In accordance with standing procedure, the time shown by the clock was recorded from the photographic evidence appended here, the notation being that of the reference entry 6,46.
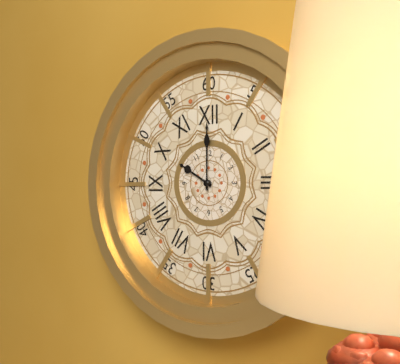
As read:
10,00
